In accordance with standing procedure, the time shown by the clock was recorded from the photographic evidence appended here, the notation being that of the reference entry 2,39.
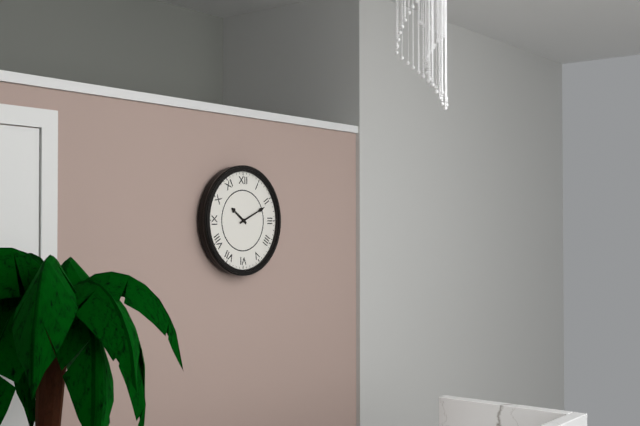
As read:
10,11
